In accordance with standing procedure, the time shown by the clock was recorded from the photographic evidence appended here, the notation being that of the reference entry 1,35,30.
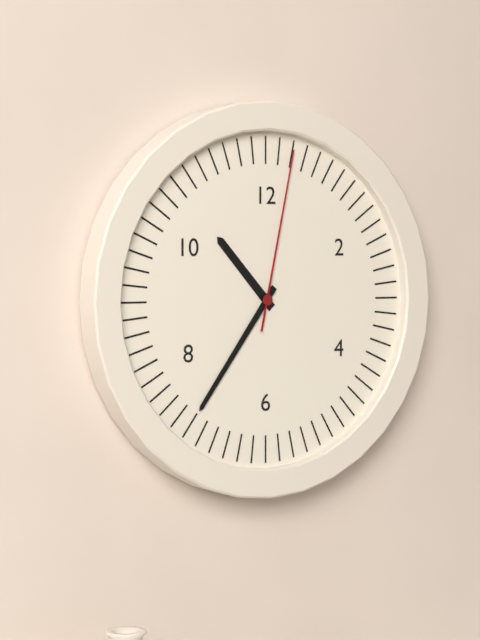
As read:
10,36,02
